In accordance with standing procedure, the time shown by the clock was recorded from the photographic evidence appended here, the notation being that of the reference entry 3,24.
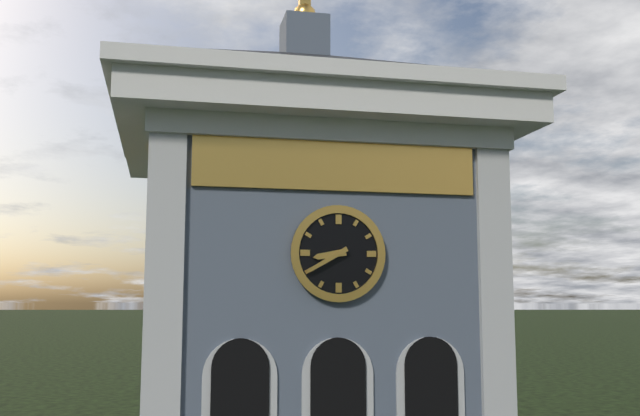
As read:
8,40
